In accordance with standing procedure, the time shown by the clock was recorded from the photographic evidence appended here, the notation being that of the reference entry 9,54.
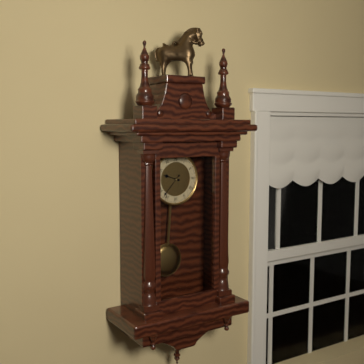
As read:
9,37
